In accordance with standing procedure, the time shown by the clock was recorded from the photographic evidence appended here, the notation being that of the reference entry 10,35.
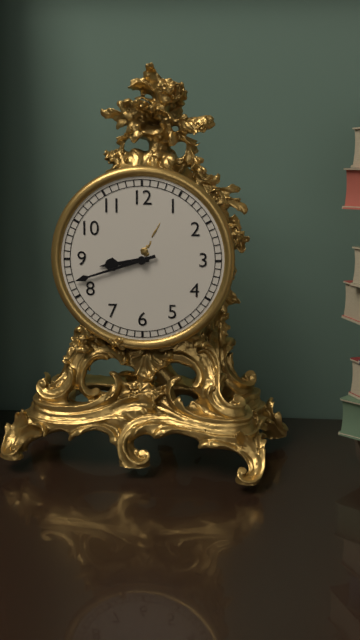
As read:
8,42
